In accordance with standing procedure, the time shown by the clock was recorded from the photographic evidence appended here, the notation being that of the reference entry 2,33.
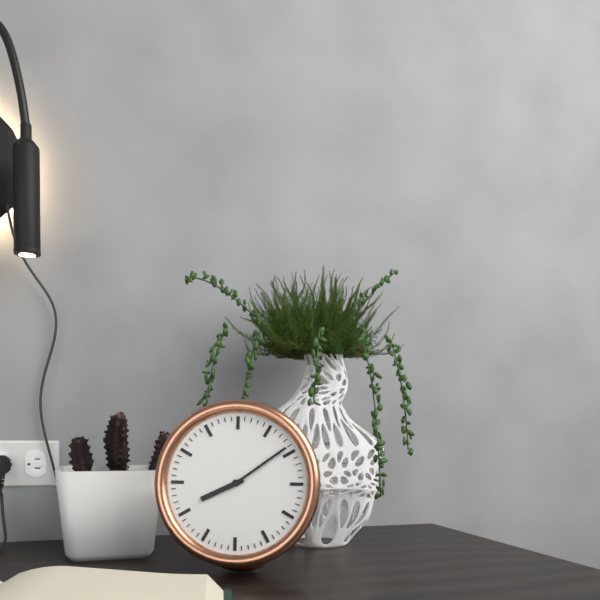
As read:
8,09
